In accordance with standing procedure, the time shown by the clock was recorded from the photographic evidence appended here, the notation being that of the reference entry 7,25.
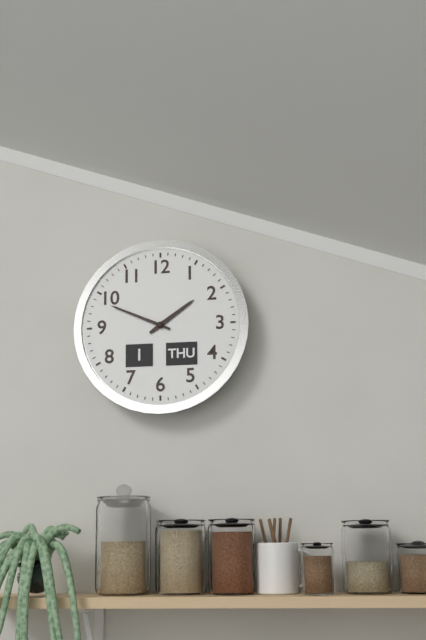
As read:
1,49
